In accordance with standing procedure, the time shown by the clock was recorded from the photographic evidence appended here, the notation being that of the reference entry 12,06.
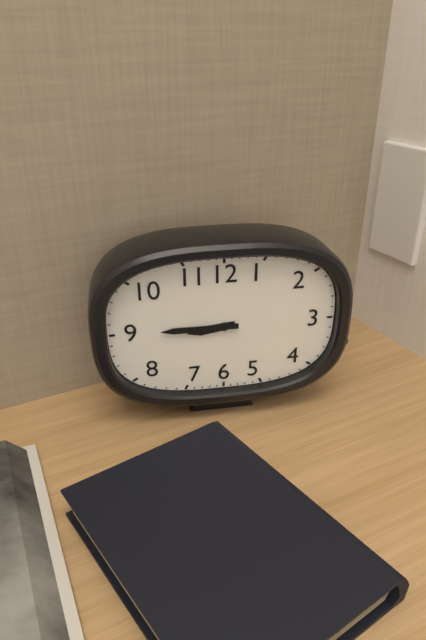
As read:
8,45
